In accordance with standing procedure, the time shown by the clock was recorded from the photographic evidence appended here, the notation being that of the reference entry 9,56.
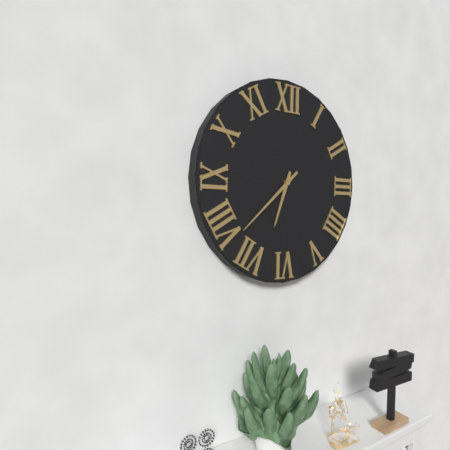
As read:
6,38
